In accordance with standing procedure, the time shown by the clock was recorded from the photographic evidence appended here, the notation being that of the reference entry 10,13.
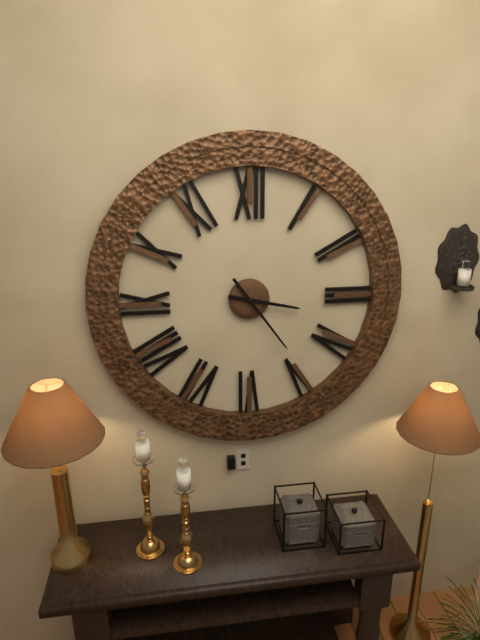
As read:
3,24
